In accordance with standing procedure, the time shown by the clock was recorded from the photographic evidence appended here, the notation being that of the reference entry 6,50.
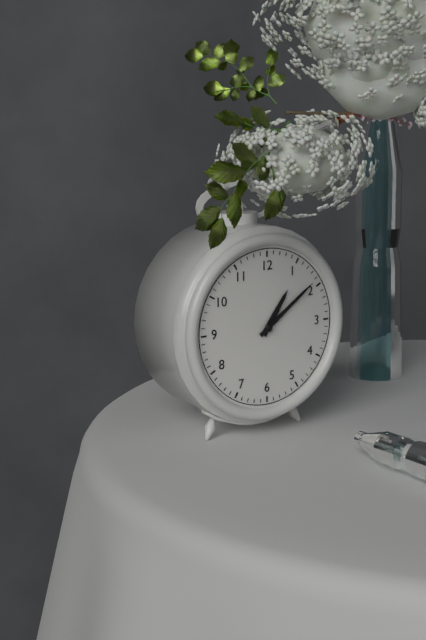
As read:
1,09
